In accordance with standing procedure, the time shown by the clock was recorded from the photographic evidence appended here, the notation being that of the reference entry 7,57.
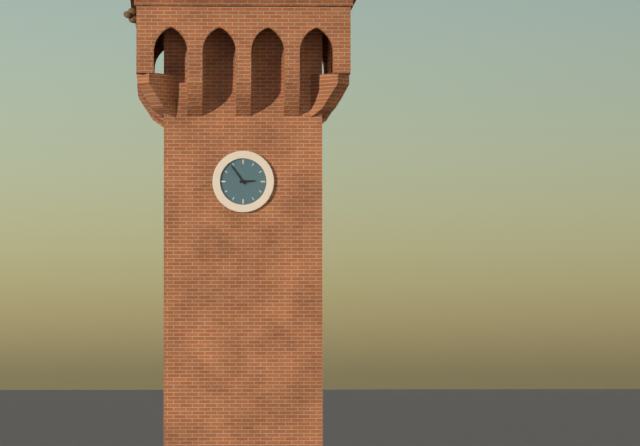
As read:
2,54
